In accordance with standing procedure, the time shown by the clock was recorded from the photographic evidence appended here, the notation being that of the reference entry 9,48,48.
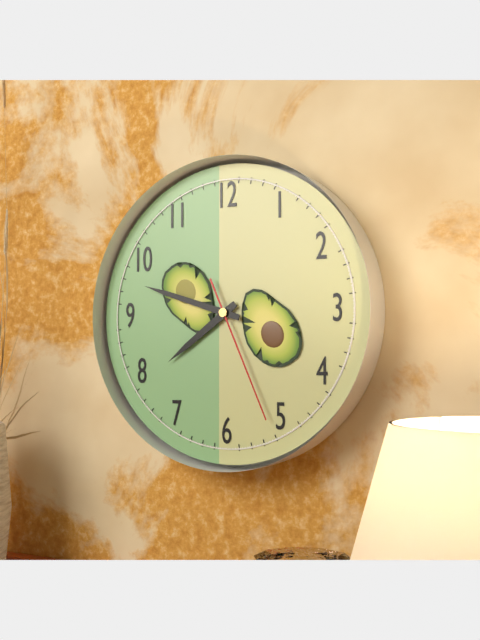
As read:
7,48,26
